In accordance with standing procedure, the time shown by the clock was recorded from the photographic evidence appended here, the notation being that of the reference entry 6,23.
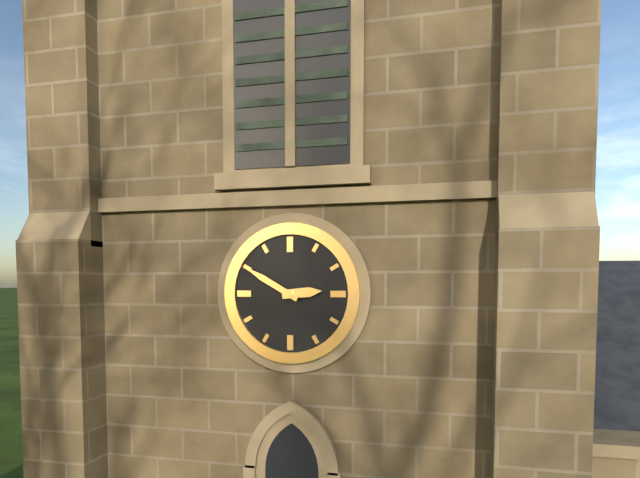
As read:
2,50
